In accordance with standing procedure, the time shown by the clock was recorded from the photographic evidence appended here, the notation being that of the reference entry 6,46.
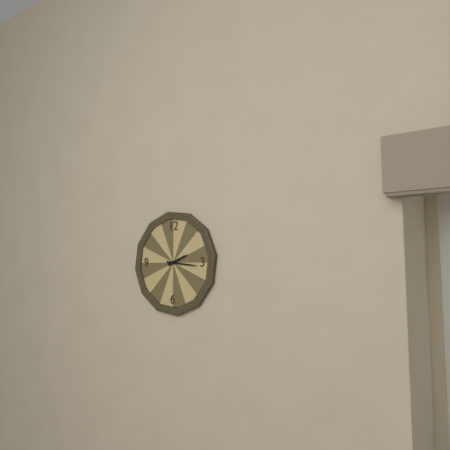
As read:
2,16
